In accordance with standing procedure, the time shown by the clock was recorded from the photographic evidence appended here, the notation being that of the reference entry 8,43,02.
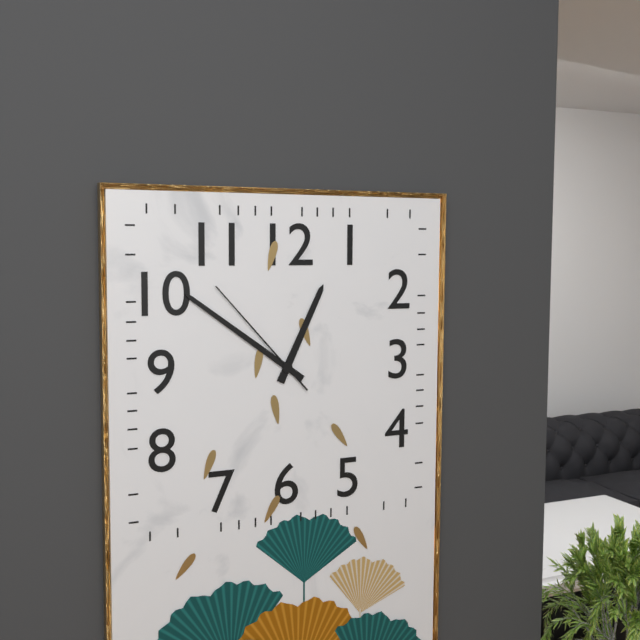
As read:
12,51,53
